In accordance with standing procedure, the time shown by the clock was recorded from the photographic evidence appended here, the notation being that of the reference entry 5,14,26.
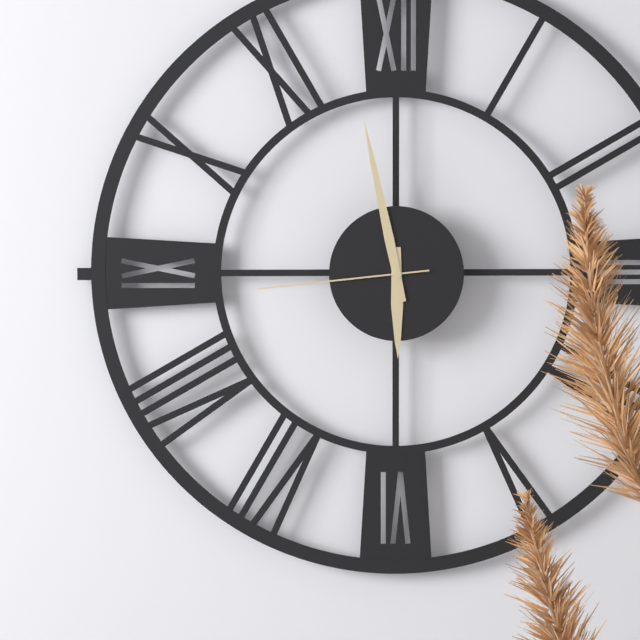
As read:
5,58,44
